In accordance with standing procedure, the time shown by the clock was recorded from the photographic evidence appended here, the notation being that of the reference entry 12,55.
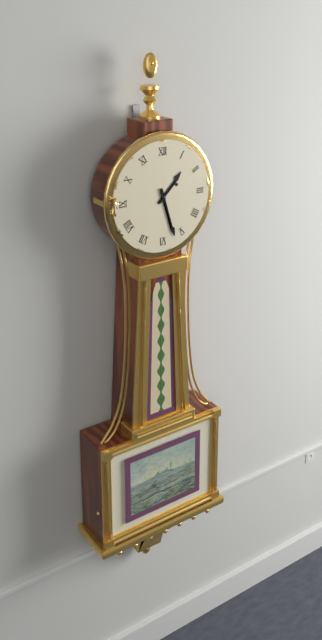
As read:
1,27
